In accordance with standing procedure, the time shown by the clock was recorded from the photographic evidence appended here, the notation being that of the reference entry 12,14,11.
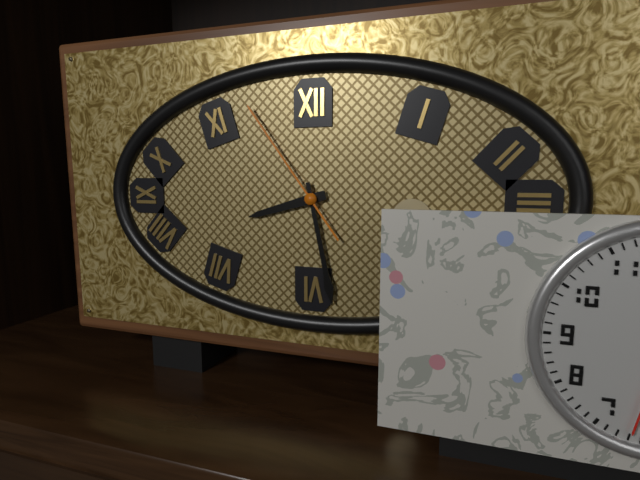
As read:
8,28,54
